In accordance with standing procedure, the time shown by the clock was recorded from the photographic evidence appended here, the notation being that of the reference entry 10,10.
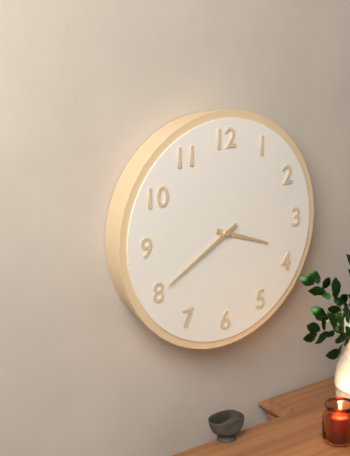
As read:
3,40
